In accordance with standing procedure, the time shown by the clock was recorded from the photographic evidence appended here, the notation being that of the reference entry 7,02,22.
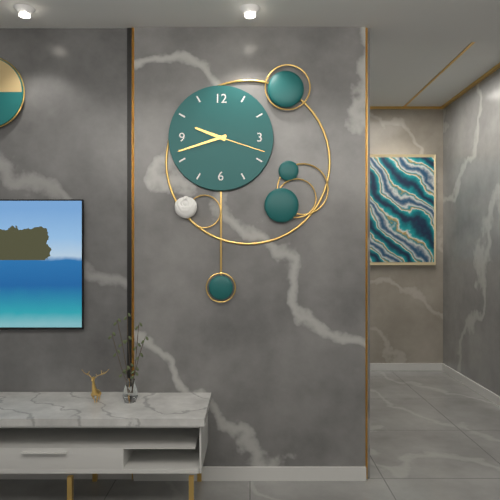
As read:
9,42,18
